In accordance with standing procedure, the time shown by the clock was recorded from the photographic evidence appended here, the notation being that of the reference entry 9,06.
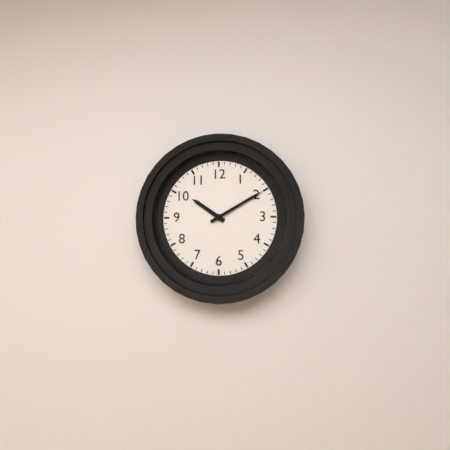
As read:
10,10
